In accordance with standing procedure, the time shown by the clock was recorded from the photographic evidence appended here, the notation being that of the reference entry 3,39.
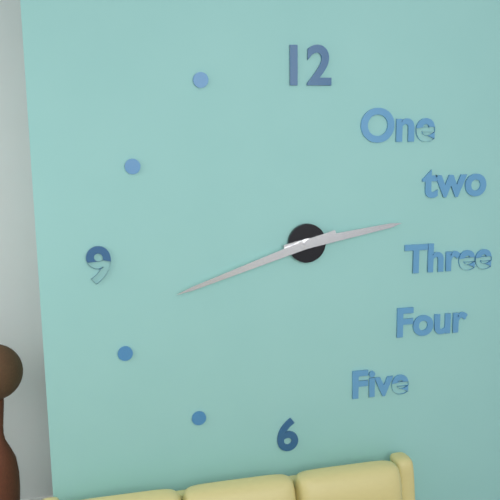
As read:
2,42
